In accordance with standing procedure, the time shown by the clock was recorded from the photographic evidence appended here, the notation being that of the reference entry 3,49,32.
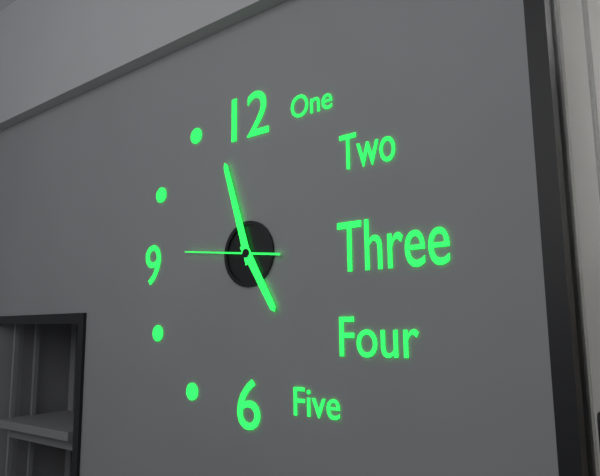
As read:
4,57,46
